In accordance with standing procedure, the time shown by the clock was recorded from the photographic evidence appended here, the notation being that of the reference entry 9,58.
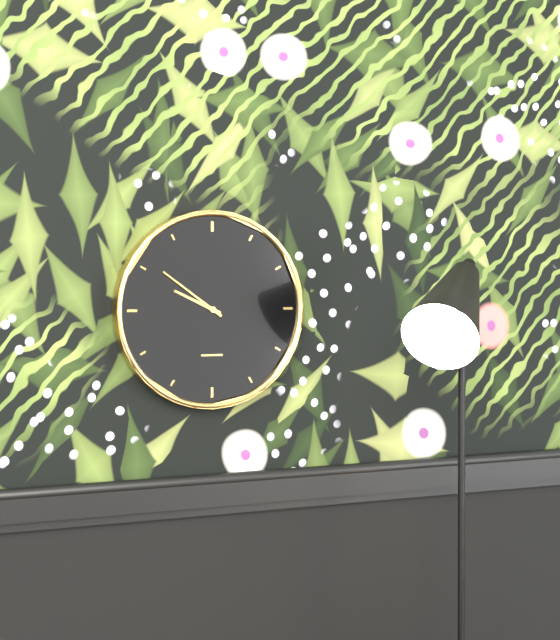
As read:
9,51
